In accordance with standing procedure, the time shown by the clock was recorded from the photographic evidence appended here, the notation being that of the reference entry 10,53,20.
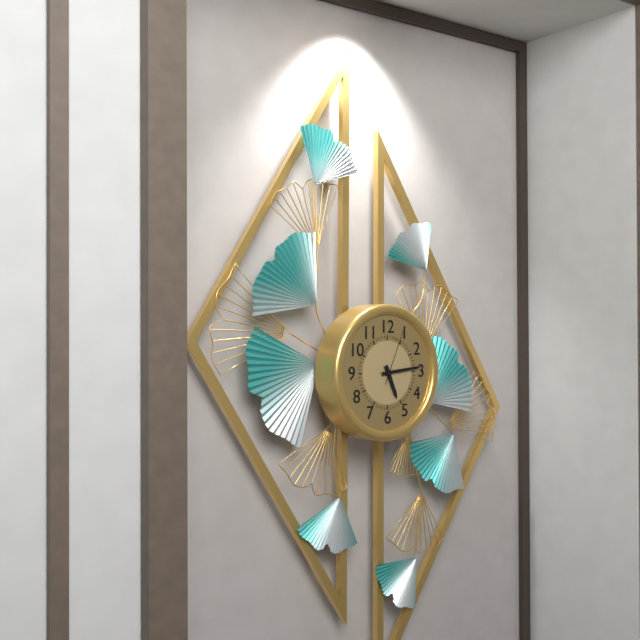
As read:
5,14,04
